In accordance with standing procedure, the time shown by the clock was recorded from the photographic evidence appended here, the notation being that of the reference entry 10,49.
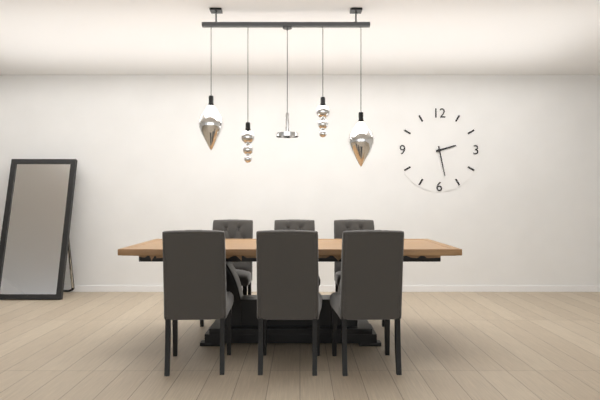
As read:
2,28
